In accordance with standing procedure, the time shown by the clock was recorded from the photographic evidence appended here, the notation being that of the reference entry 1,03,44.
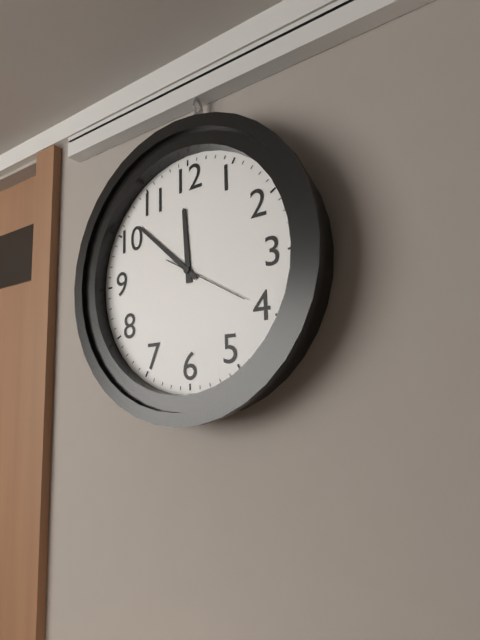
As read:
11,52,20
